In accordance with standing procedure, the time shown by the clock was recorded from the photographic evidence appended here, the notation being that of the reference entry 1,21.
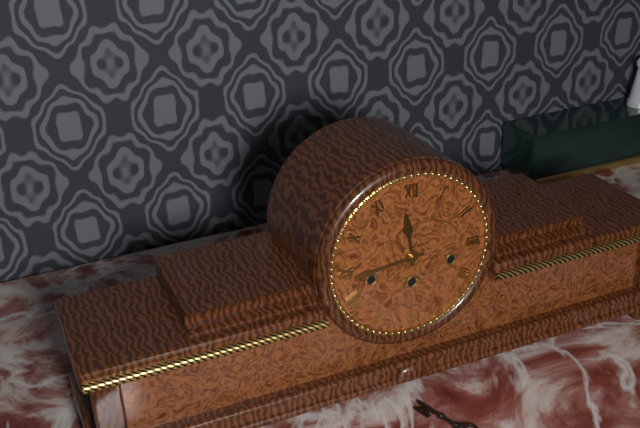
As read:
11,44
